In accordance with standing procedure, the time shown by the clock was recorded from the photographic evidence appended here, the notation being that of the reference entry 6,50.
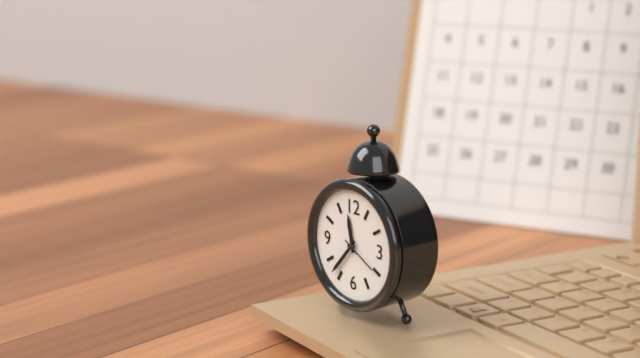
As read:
11,37
